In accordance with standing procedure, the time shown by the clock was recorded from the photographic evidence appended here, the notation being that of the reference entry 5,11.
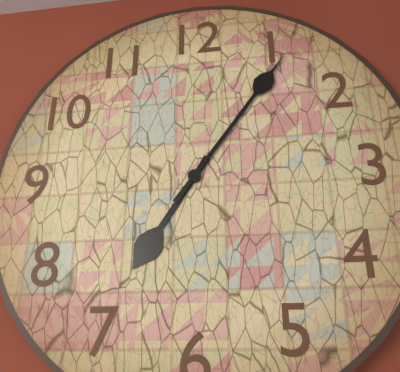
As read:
7,06
